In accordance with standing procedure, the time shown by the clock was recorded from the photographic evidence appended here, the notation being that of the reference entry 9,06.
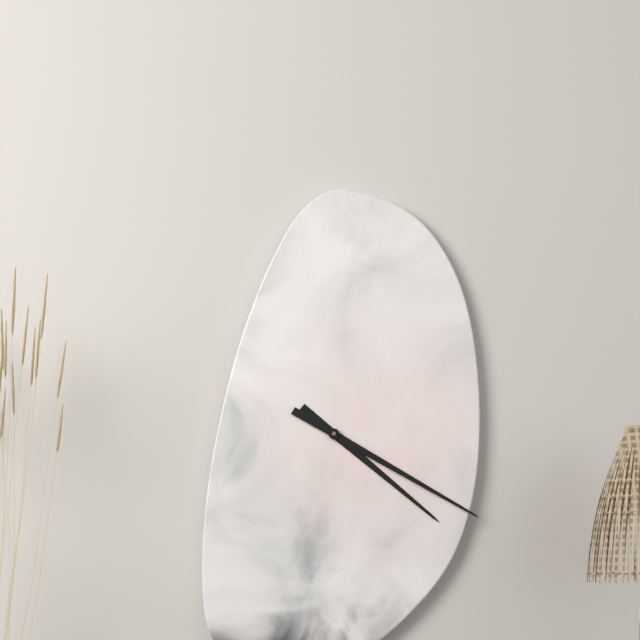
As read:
4,20
